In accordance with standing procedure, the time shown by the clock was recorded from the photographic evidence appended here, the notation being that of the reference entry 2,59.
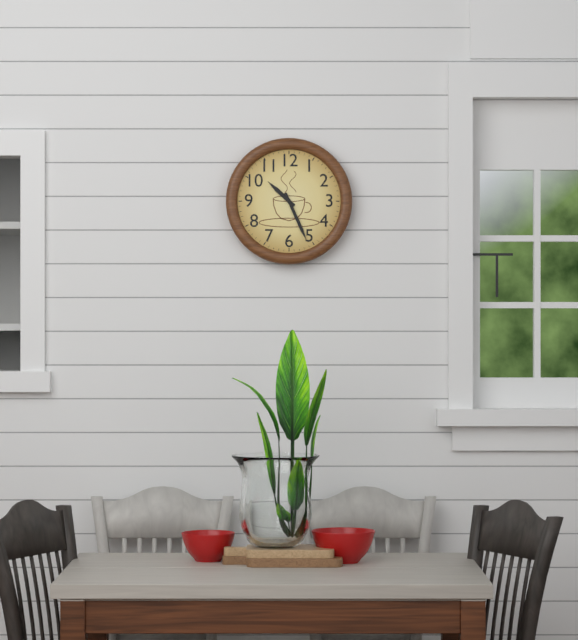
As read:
10,26
